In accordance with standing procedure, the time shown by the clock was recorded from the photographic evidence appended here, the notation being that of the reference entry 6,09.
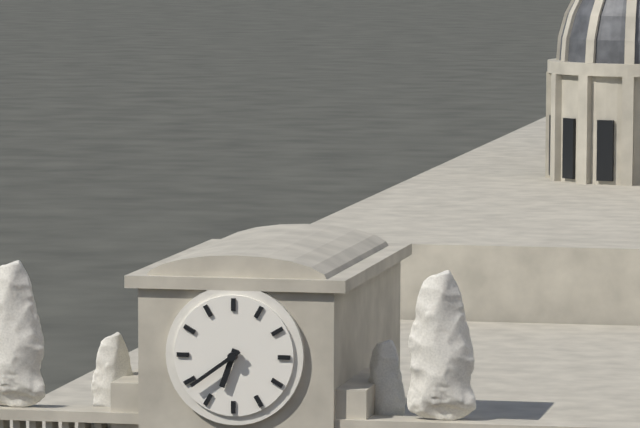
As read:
6,39
